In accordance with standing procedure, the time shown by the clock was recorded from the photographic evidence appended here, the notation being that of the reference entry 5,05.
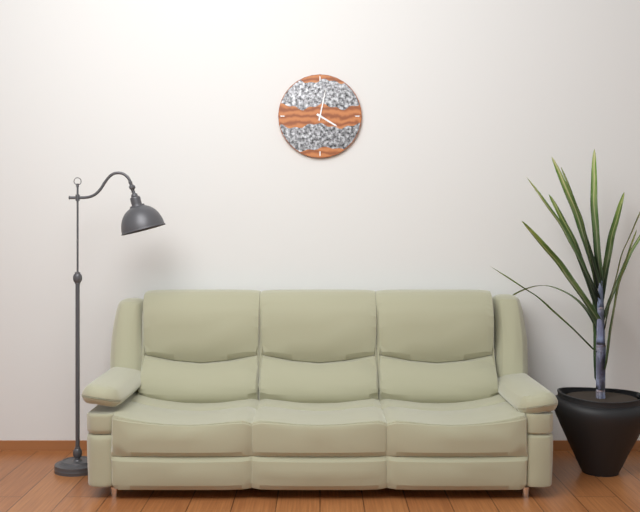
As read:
4,02
